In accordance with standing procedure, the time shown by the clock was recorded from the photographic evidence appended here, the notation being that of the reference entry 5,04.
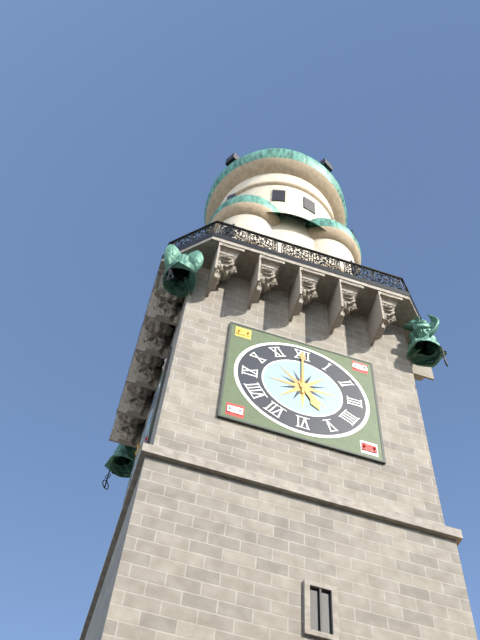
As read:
5,00
